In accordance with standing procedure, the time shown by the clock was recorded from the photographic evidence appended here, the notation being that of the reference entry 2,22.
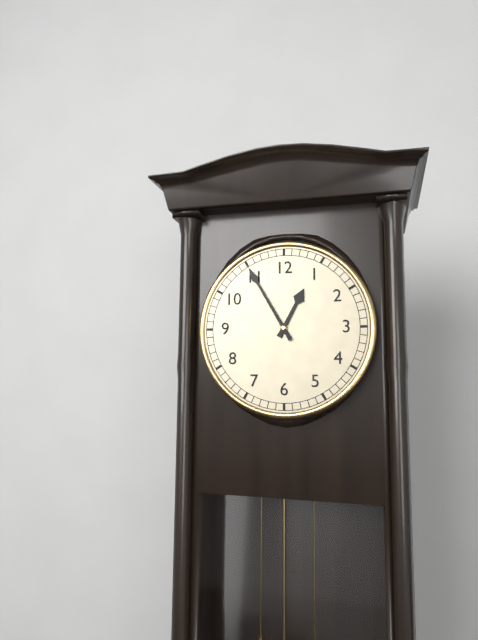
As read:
12,55
